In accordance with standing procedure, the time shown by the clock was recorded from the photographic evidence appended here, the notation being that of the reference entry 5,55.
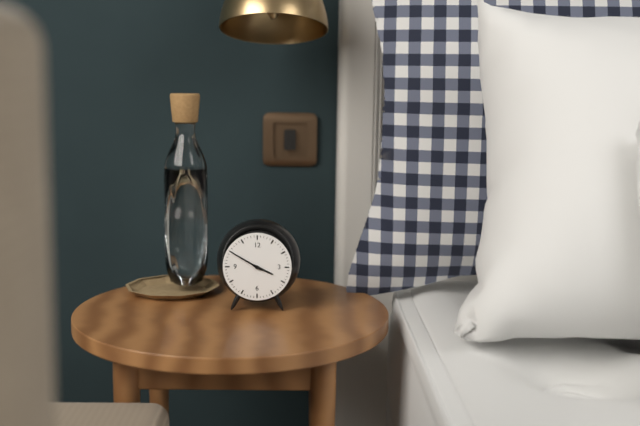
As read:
3,50
